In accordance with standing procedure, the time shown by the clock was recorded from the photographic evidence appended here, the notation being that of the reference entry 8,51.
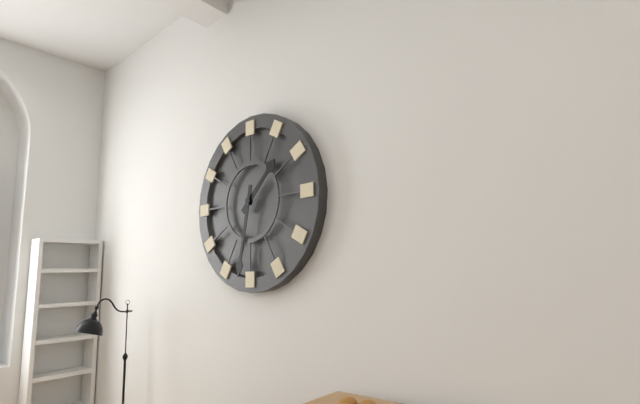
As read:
1,32
